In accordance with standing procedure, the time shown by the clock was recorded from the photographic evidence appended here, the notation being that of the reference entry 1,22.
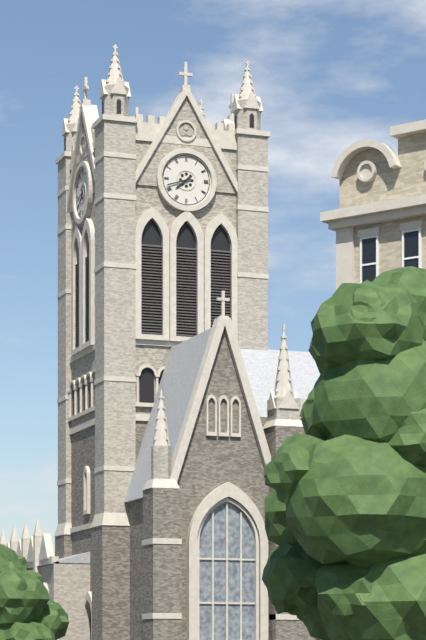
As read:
7,42
